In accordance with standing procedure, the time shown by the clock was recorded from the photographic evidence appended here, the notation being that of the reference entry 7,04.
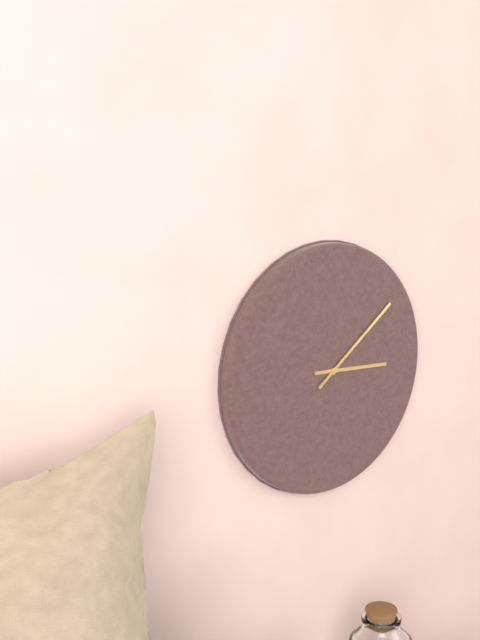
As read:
3,09
